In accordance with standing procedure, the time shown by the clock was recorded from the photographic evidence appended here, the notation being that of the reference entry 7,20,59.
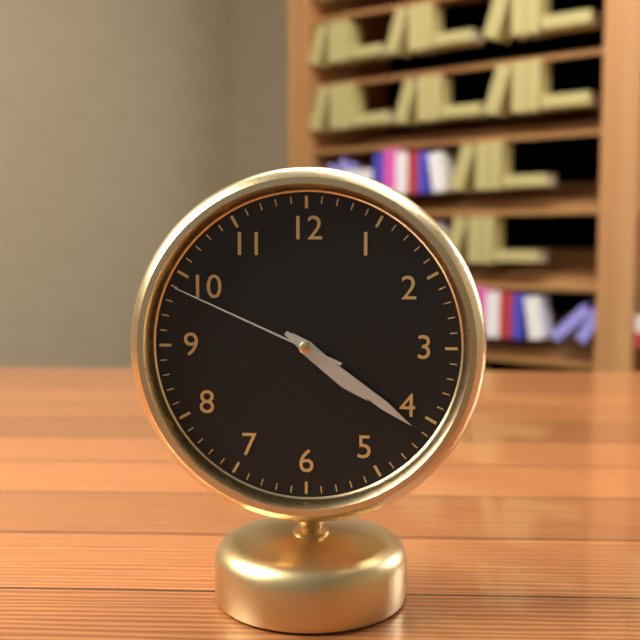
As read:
4,21,49
